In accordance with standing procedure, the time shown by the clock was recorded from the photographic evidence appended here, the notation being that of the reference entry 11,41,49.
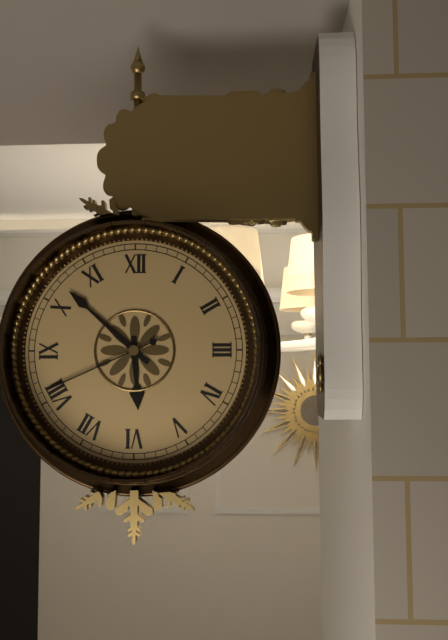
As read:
5,52,41
